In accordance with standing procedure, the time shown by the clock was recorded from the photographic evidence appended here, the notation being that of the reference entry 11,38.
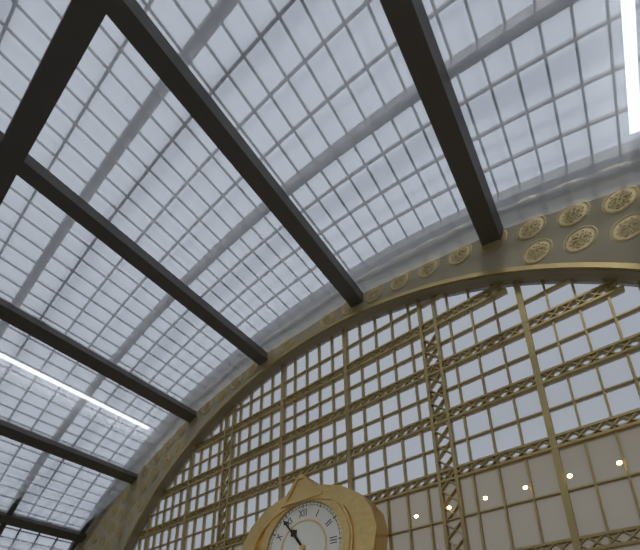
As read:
10,54
